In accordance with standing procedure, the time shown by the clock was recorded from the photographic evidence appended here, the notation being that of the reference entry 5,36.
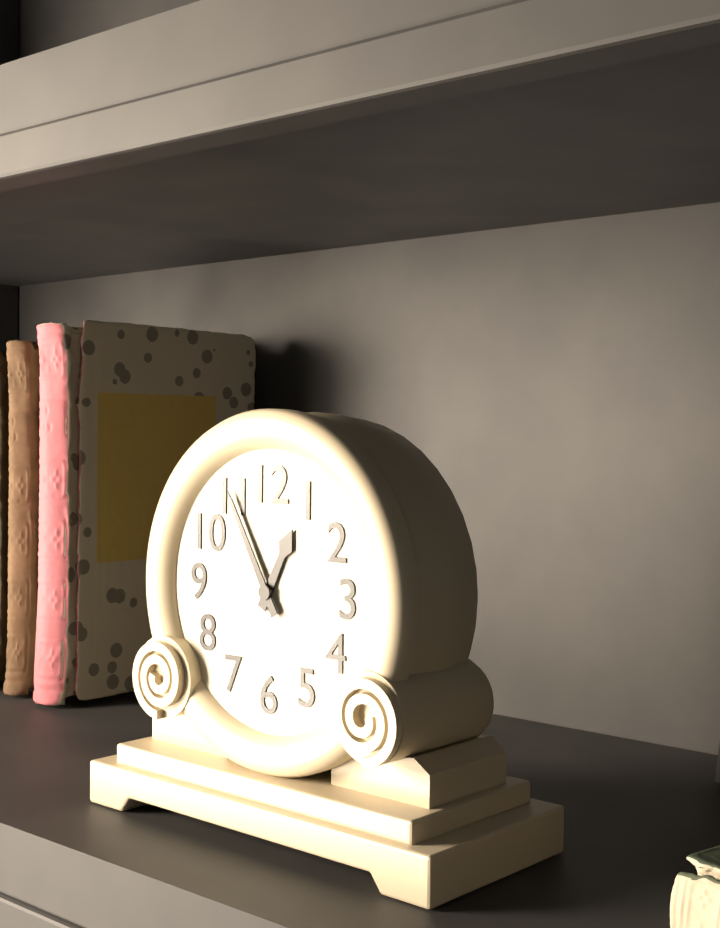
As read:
12,55
